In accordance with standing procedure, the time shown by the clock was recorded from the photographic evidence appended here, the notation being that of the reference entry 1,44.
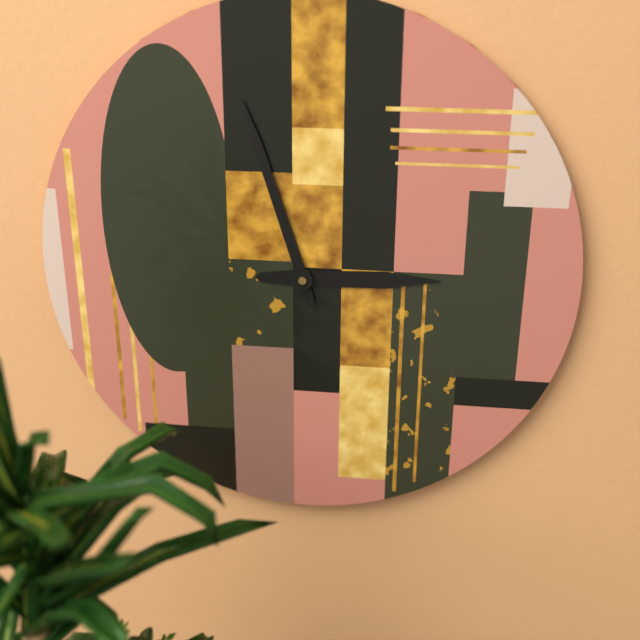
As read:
2,57
